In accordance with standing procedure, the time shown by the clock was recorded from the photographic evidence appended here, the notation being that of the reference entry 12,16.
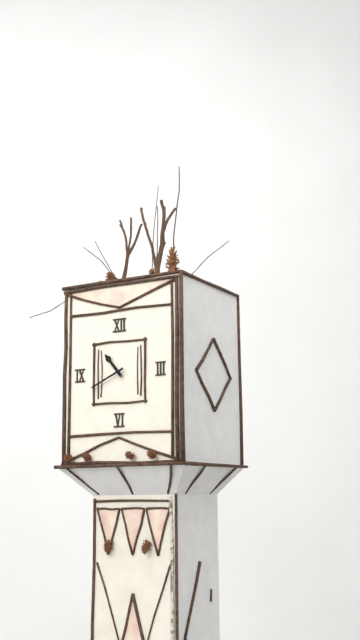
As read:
10,41
